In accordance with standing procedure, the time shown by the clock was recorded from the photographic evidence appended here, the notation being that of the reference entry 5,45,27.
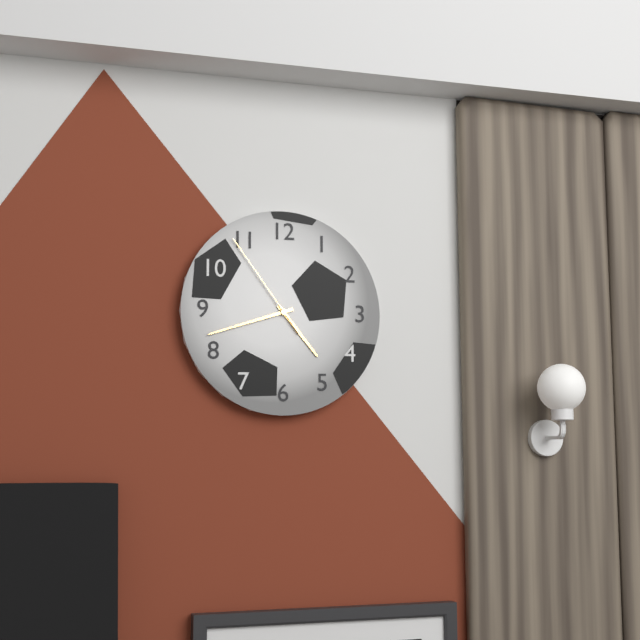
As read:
4,42,54
